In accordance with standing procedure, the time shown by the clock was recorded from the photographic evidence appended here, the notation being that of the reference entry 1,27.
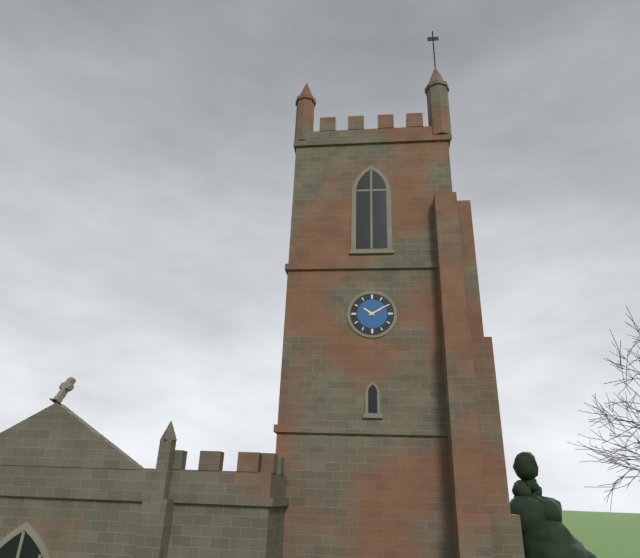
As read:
10,10
